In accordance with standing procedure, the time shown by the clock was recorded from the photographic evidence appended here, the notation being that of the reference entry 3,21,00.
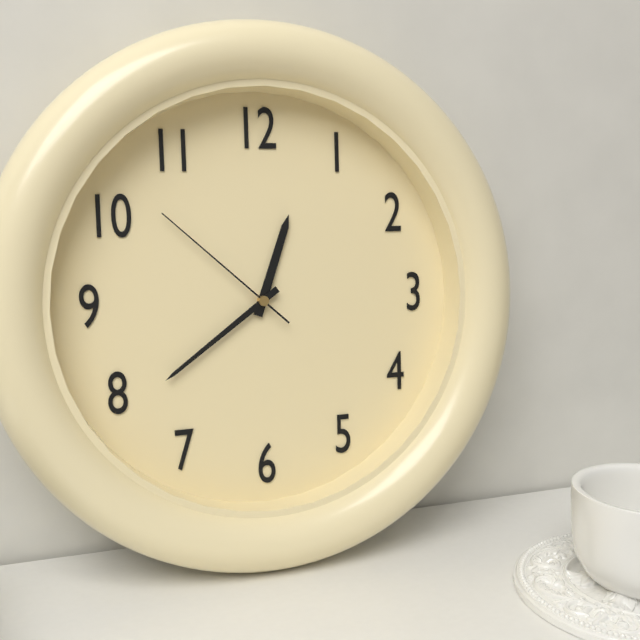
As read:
12,39,52
